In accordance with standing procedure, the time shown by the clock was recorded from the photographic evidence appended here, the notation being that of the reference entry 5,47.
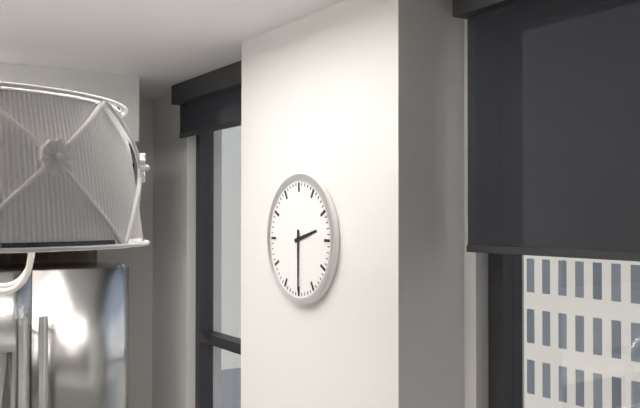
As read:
2,30
